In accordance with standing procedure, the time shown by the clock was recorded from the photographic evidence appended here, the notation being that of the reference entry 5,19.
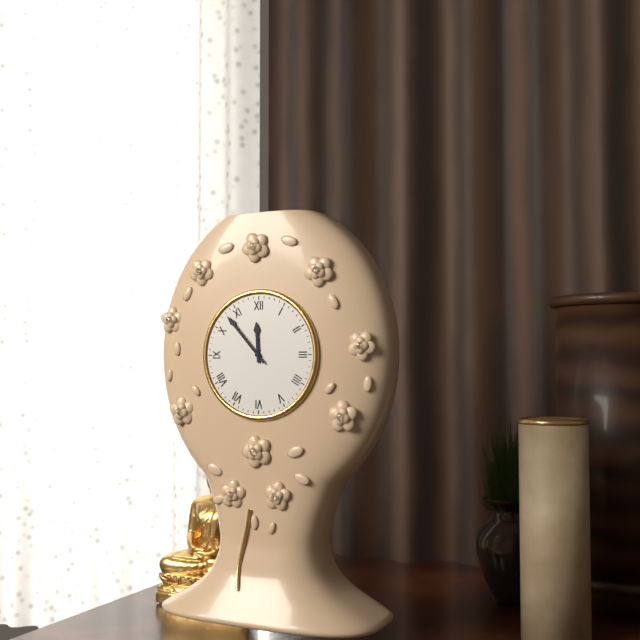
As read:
11,53
